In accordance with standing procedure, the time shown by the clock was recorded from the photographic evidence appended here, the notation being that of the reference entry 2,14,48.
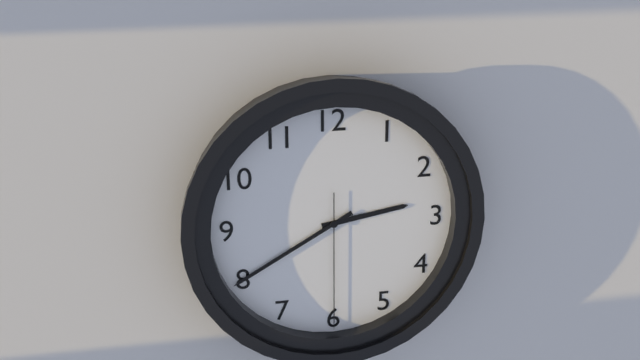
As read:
2,40,30
